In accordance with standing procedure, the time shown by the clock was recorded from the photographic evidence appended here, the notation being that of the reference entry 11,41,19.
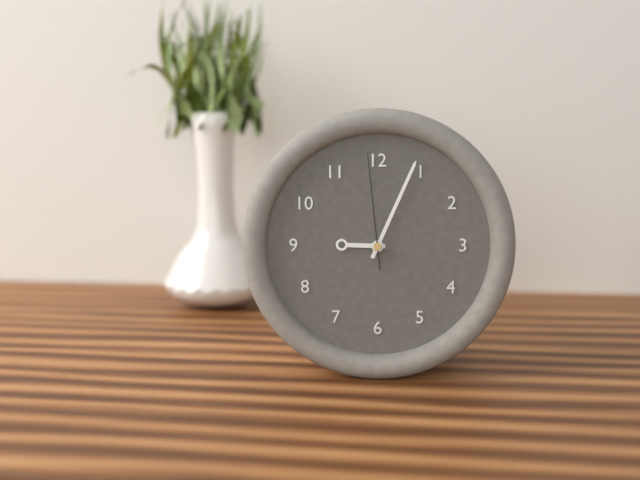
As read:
9,04,59
